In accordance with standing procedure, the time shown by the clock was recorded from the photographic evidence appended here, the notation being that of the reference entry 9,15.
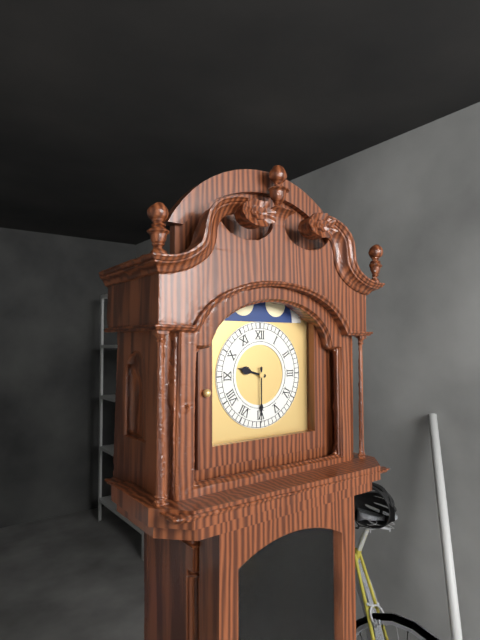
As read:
9,30
